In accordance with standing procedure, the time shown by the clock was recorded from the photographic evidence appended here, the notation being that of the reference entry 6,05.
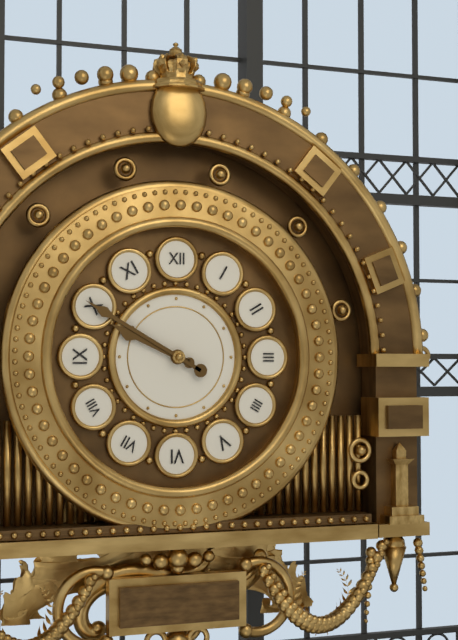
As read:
9,50
